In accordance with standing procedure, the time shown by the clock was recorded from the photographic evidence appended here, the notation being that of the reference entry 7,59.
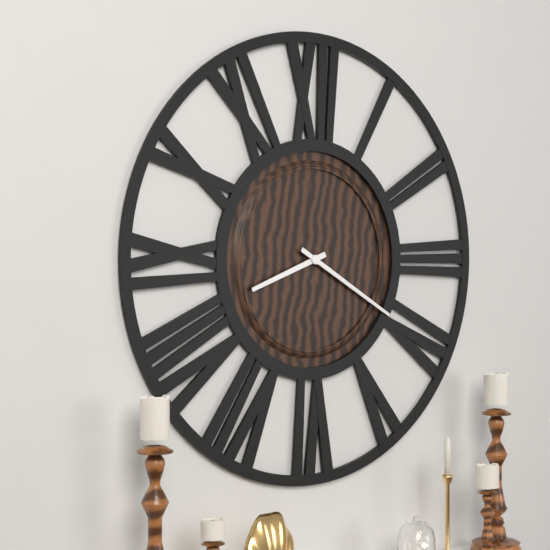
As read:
8,20
